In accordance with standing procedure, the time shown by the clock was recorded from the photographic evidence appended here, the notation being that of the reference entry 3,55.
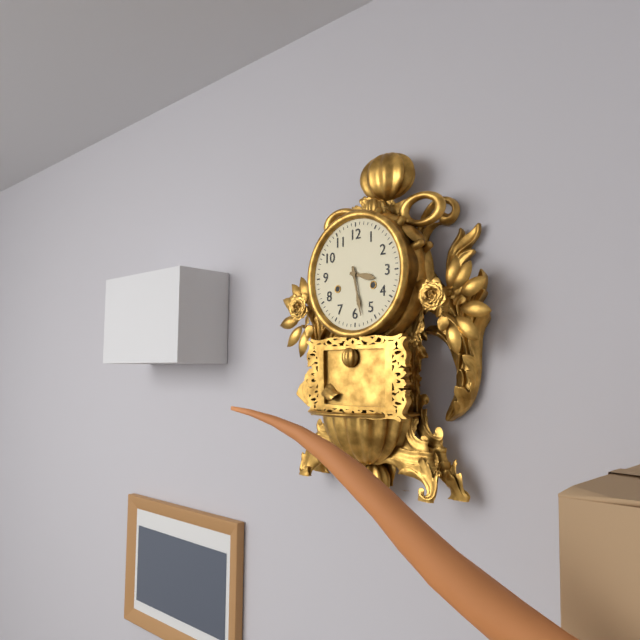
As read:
3,28
